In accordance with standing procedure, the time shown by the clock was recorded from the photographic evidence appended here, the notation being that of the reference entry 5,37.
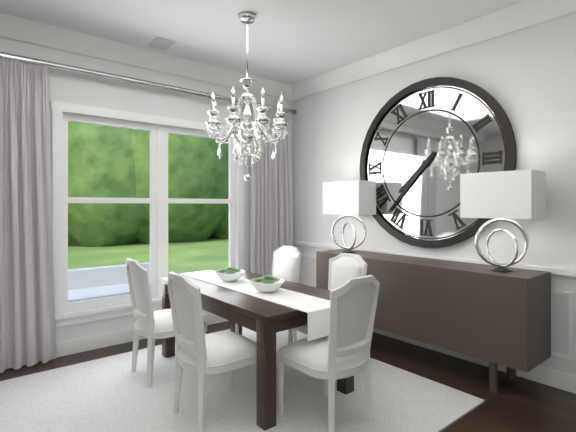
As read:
7,37
